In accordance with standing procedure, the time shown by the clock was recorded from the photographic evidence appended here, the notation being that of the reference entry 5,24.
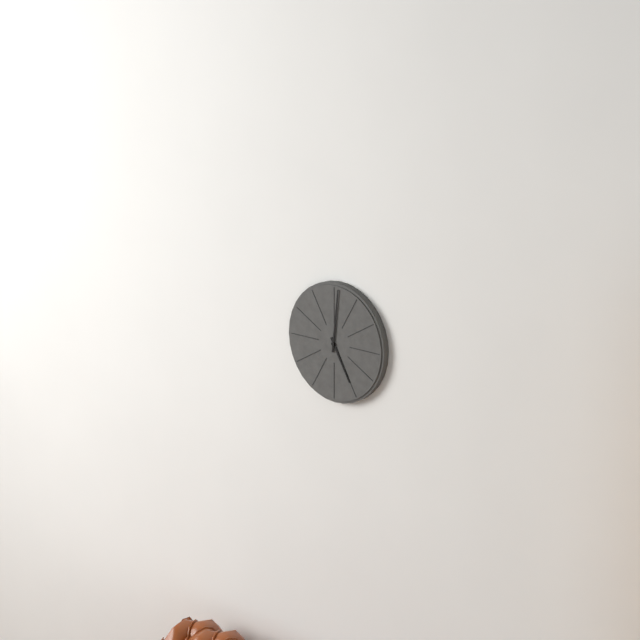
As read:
5,01
